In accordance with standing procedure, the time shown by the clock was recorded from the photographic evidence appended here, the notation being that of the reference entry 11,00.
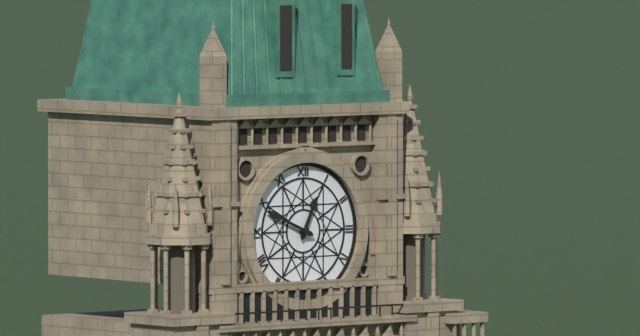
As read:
12,49
